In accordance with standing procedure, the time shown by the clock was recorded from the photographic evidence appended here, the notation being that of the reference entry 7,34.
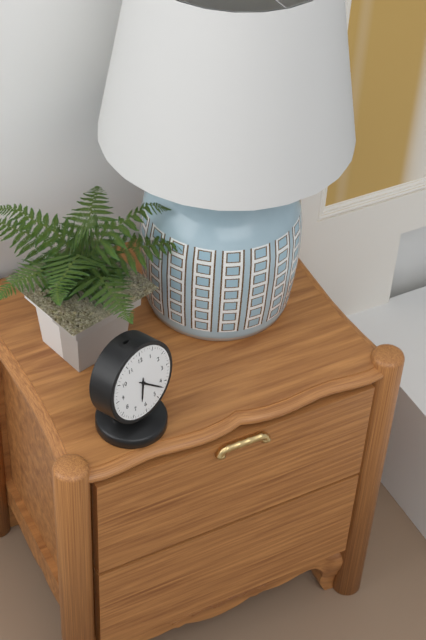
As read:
6,22
